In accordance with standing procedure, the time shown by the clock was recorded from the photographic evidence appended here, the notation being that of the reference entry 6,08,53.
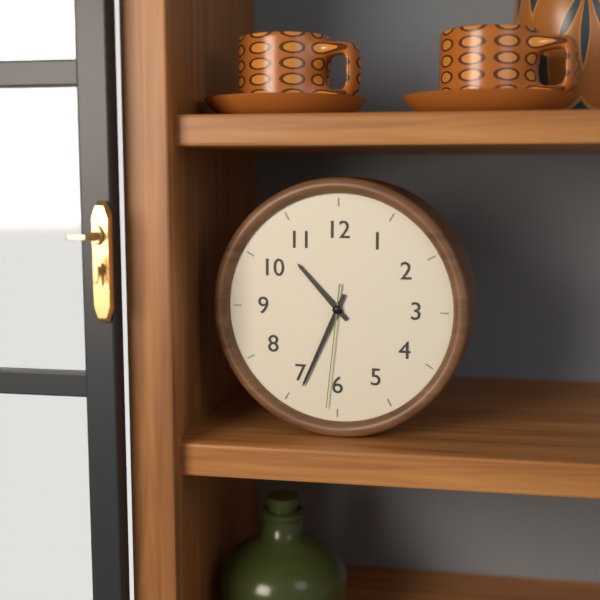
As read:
10,34,31
